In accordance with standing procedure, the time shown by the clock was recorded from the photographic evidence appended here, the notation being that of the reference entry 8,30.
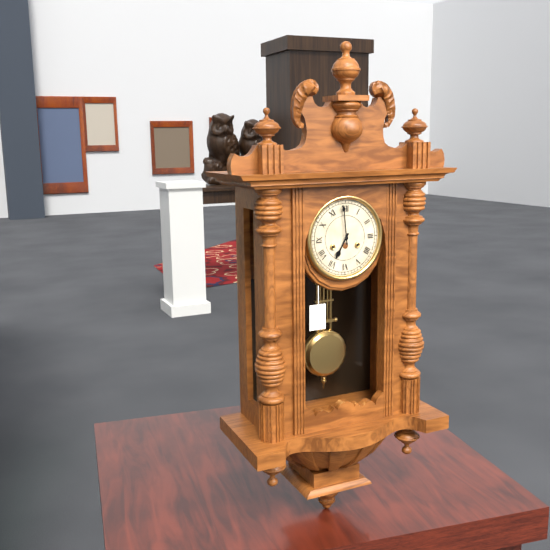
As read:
6,59
